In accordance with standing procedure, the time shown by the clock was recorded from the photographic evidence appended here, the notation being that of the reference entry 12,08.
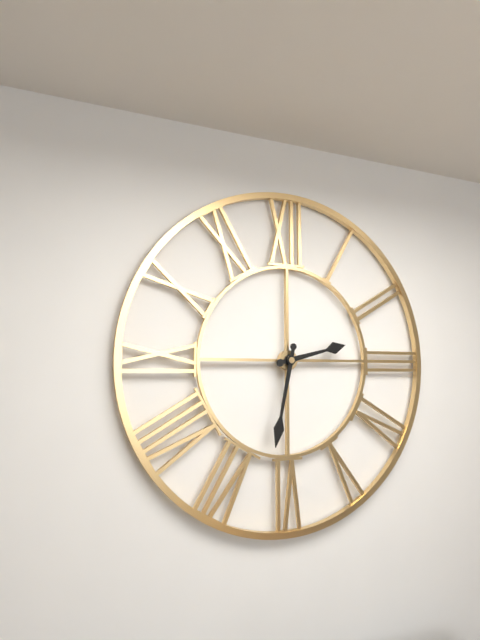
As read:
2,32
